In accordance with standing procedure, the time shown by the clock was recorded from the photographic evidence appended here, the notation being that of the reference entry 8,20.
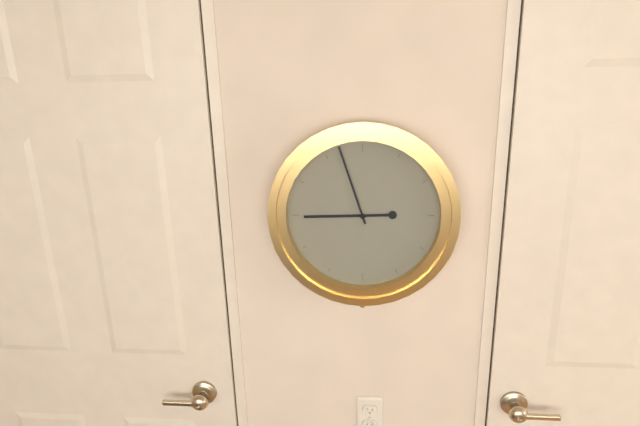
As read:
8,57
